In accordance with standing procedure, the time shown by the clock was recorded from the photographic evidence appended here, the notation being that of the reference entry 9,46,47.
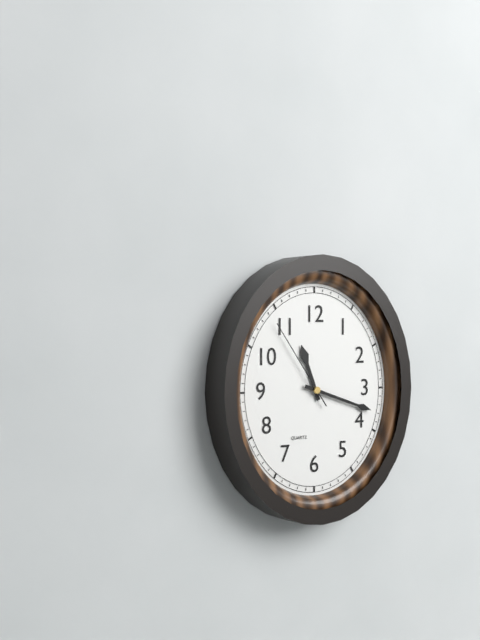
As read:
11,18,54
